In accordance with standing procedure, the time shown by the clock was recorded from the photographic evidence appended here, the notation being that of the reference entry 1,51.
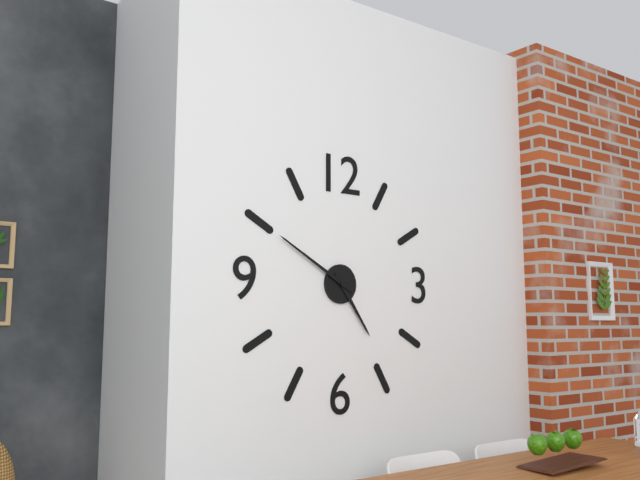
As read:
4,50
